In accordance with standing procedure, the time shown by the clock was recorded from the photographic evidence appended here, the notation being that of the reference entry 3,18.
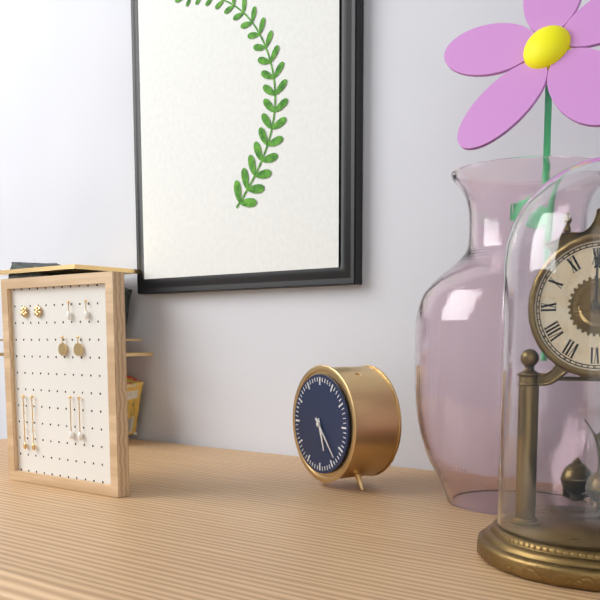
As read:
5,23
